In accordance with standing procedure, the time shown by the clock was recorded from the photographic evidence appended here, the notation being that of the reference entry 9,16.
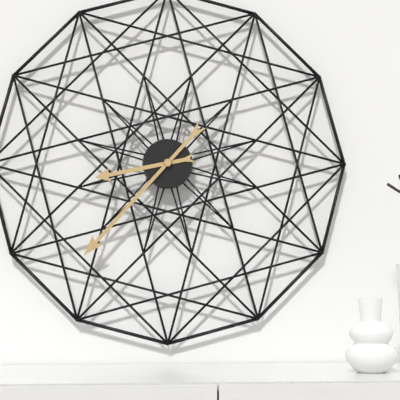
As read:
8,37
